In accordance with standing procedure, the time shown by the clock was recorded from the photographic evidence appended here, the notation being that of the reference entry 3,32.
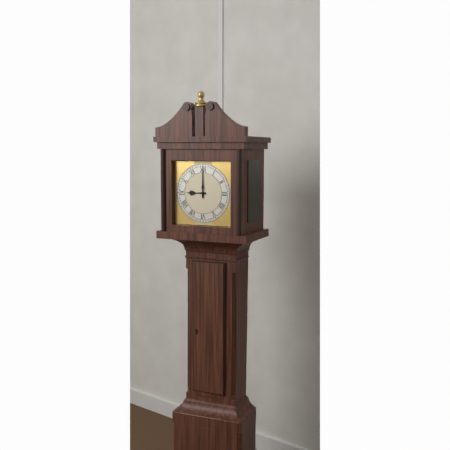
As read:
9,00
